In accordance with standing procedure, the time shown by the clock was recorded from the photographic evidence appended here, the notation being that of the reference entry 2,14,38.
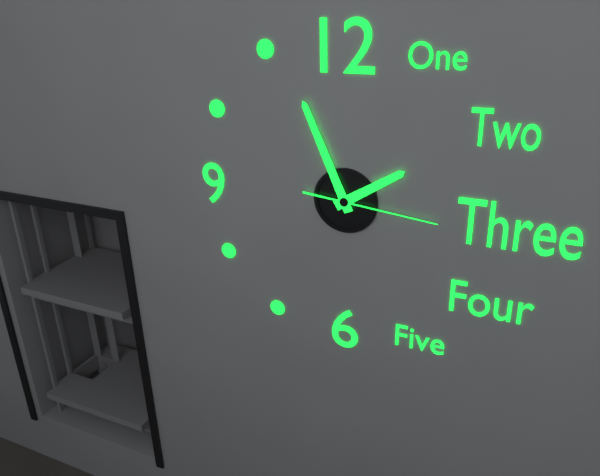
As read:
1,56,16
